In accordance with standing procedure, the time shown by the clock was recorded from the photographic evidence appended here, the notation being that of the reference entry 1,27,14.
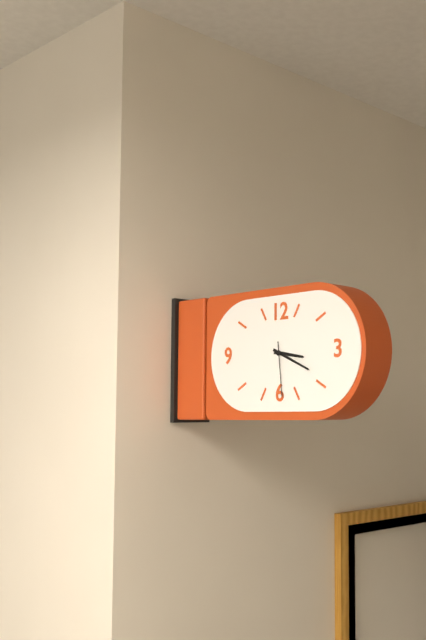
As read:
3,19,29
